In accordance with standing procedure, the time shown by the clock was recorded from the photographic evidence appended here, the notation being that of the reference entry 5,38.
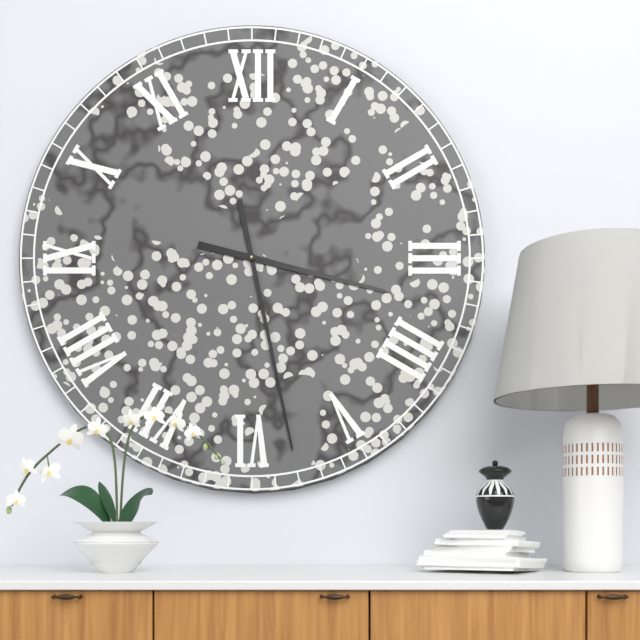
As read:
3,28
